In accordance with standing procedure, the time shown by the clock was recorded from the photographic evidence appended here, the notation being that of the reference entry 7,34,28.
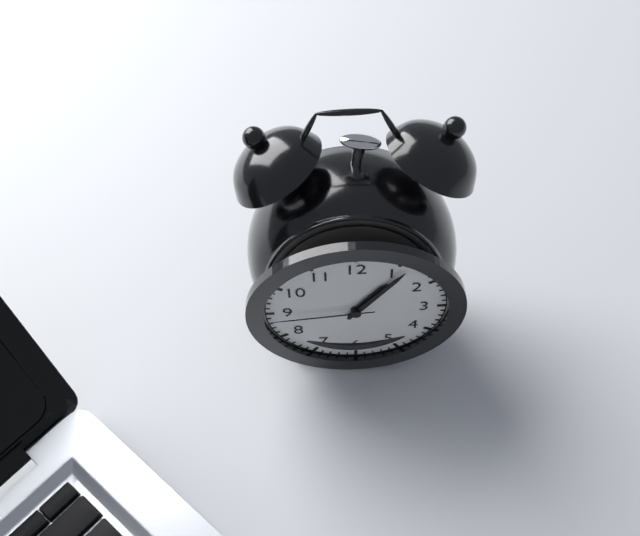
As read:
1,06,44
